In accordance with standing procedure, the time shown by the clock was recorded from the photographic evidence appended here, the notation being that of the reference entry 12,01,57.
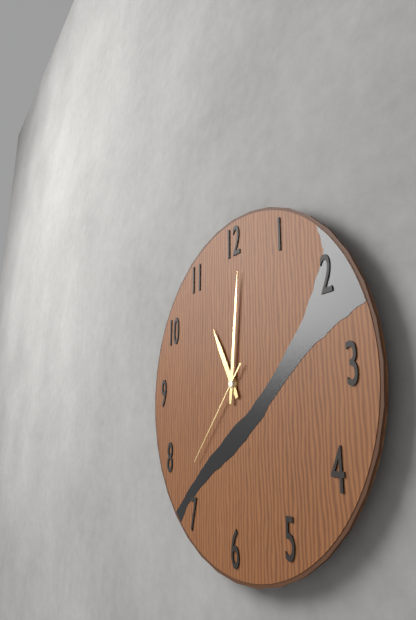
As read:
11,01,37
